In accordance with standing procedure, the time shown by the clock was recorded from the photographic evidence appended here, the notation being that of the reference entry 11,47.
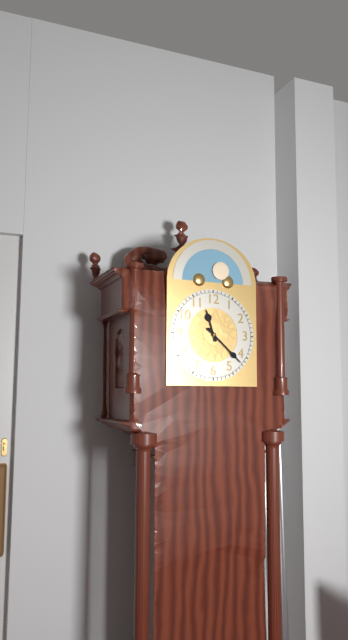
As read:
11,22
